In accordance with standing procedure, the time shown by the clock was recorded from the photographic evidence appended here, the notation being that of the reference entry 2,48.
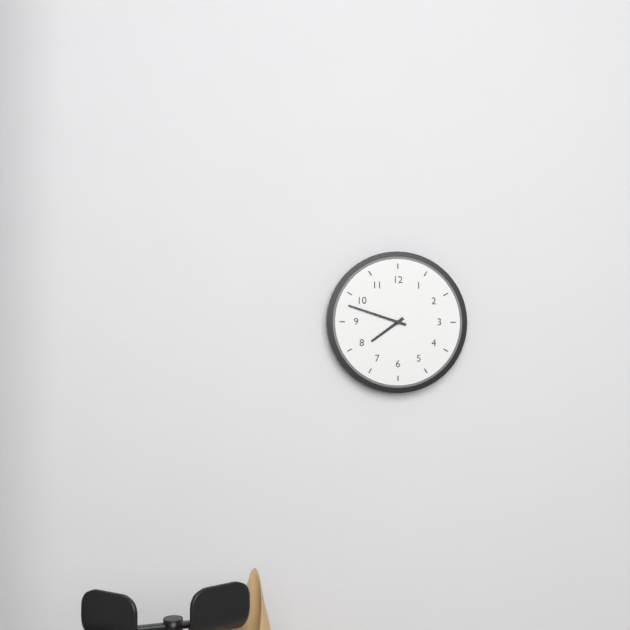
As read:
7,48
